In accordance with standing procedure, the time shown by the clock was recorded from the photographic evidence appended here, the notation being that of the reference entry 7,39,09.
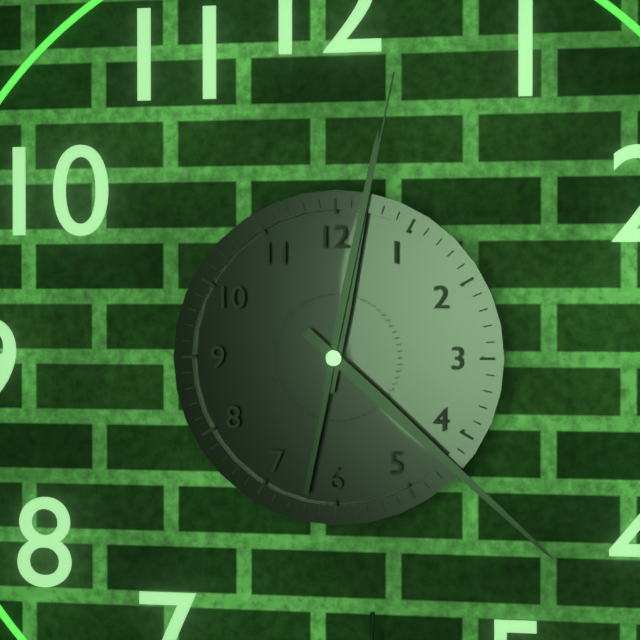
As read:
12,22,02
